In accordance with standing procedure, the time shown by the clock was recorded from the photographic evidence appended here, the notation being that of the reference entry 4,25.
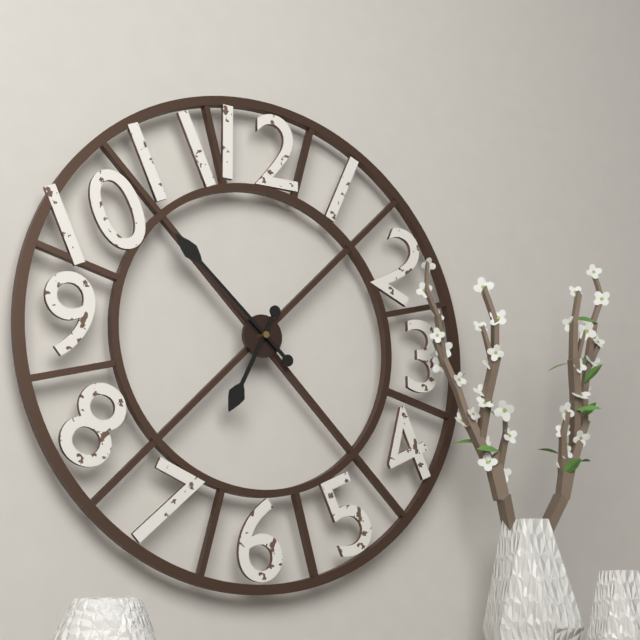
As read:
6,52
